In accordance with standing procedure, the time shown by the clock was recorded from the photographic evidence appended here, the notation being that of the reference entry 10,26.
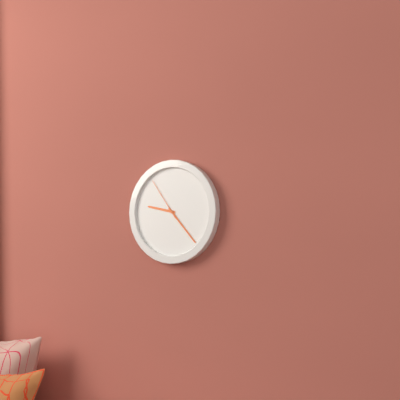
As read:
9,23
